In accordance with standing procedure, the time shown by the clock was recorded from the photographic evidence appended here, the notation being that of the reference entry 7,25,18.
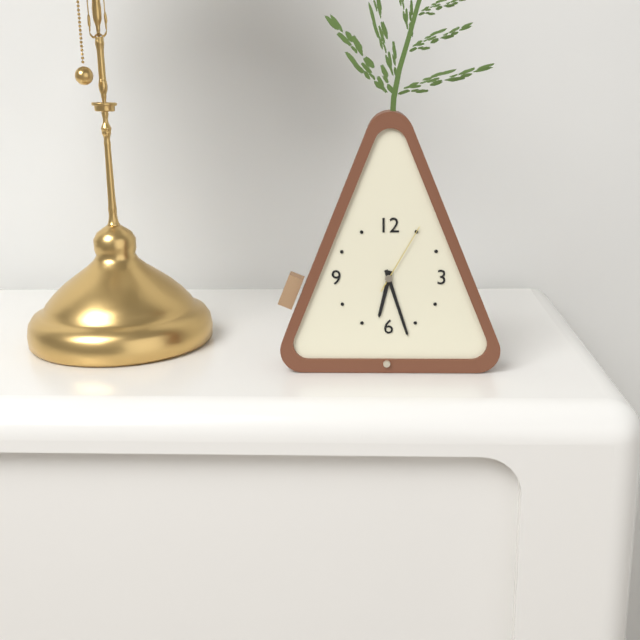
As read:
6,27,05
